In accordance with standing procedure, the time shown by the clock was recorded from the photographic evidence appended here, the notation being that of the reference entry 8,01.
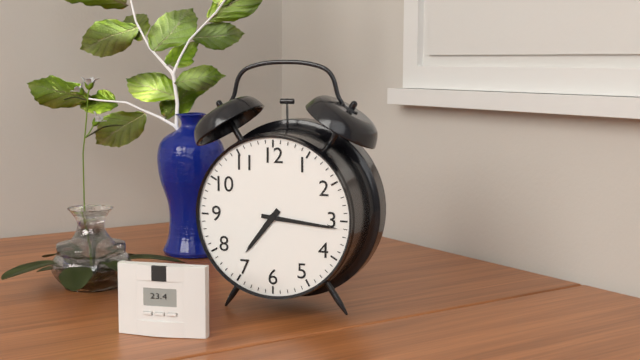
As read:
7,16
